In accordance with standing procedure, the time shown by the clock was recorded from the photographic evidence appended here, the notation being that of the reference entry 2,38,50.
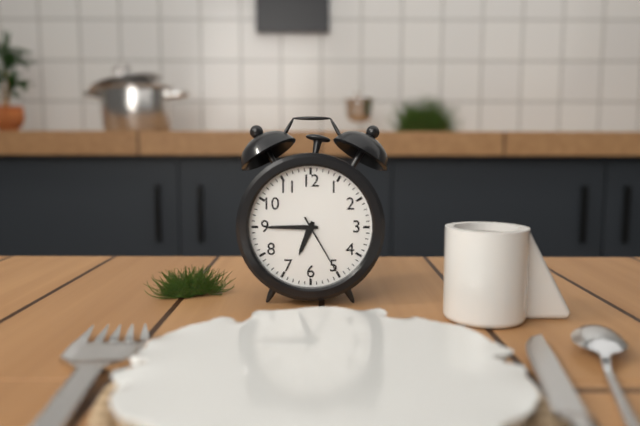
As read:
6,45,25
